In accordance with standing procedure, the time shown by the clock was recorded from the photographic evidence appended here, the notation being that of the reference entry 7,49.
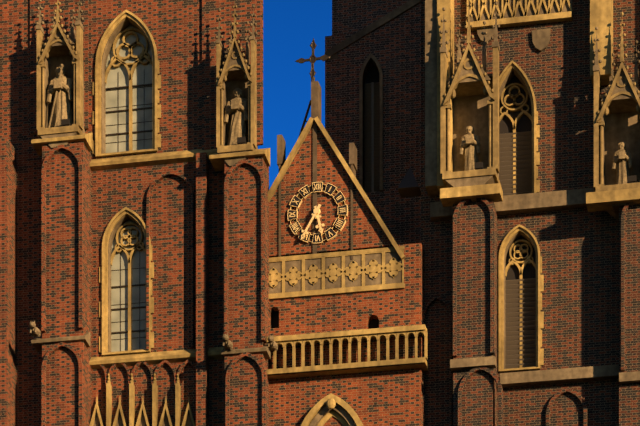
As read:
5,35
